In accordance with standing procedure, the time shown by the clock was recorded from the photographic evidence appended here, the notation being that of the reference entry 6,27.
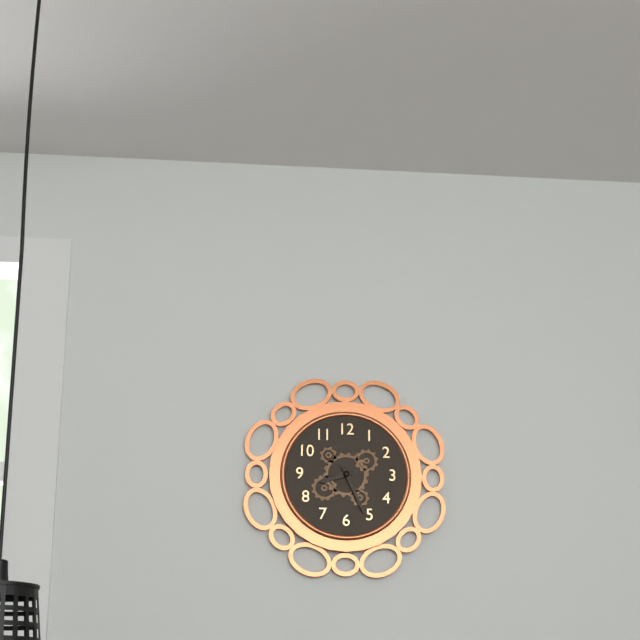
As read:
8,26
